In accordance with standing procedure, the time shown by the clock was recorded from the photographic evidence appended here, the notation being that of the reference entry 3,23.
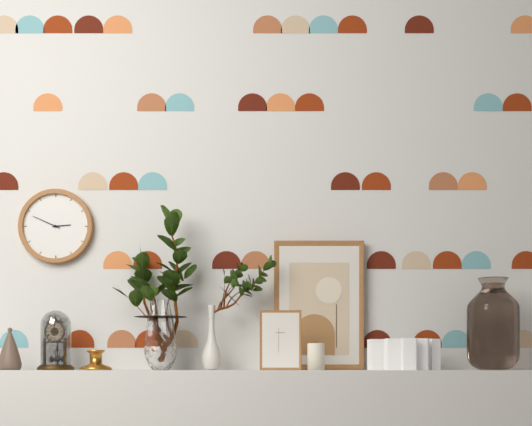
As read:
2,49
